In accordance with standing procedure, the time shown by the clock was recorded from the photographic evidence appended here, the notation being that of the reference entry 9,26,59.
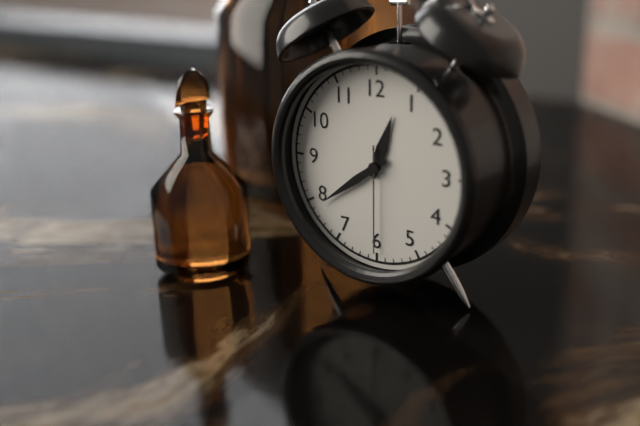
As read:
12,39,30
